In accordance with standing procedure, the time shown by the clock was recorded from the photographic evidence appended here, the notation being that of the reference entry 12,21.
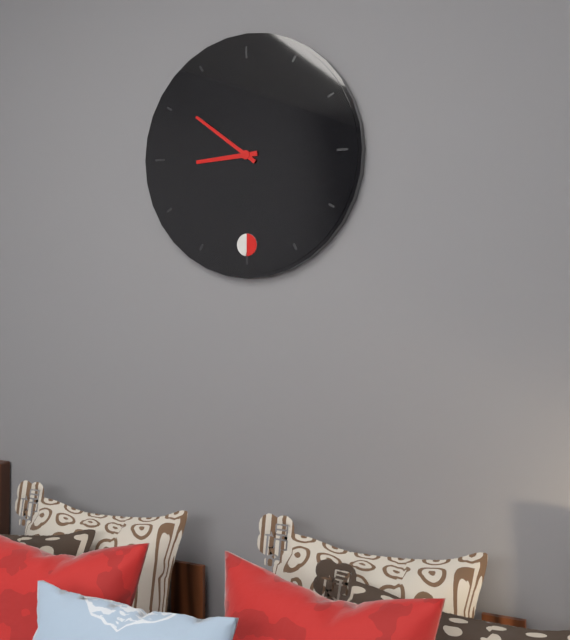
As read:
8,51
